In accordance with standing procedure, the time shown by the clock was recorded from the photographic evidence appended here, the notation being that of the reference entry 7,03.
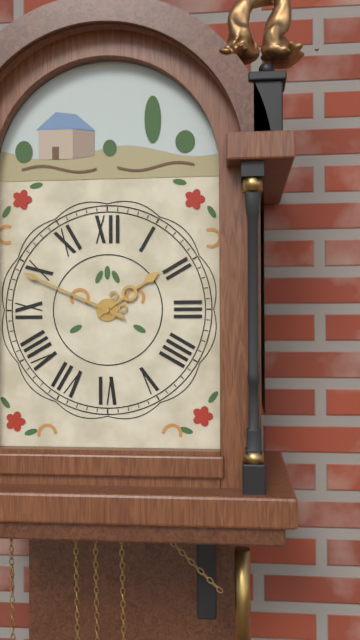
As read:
1,49
